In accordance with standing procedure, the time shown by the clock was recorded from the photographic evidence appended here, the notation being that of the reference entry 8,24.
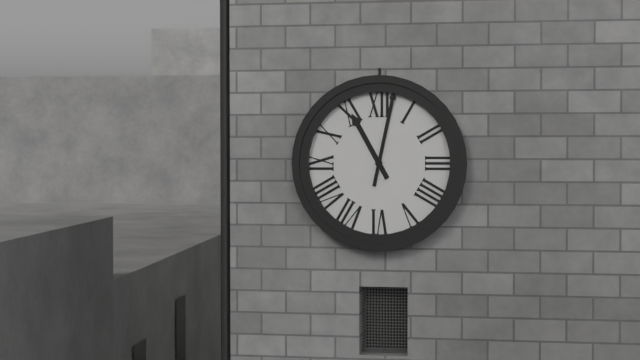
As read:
11,02
